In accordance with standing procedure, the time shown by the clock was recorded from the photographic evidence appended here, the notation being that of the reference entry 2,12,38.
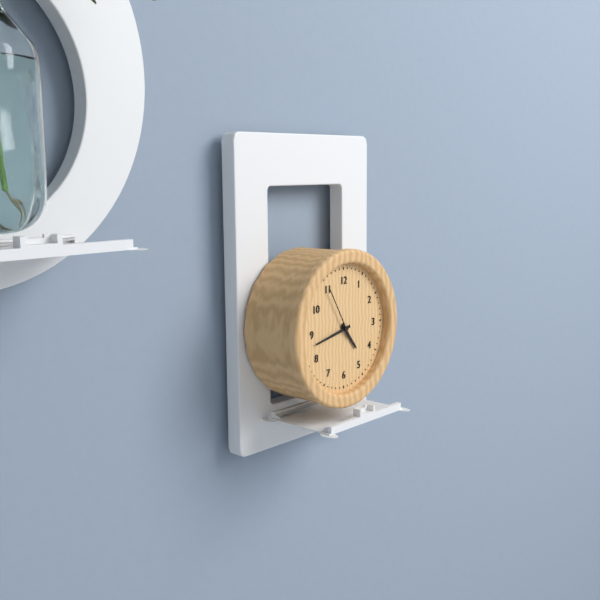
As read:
4,43,55
